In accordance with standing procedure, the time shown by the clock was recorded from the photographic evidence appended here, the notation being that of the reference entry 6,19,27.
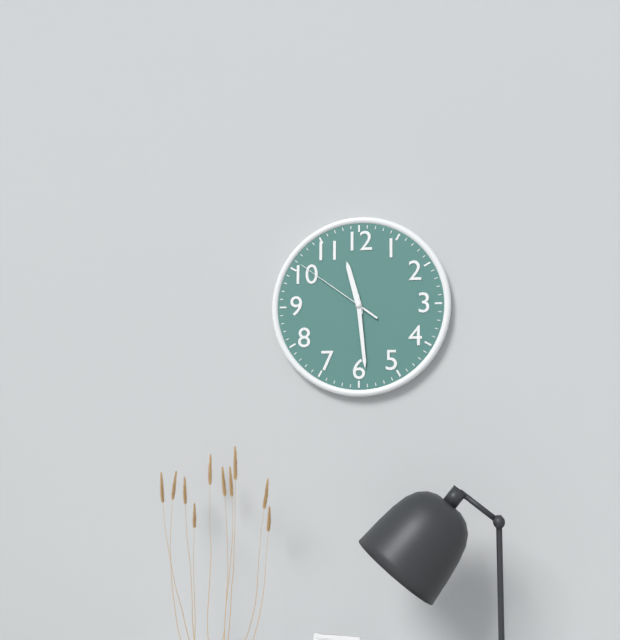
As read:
11,29,51
